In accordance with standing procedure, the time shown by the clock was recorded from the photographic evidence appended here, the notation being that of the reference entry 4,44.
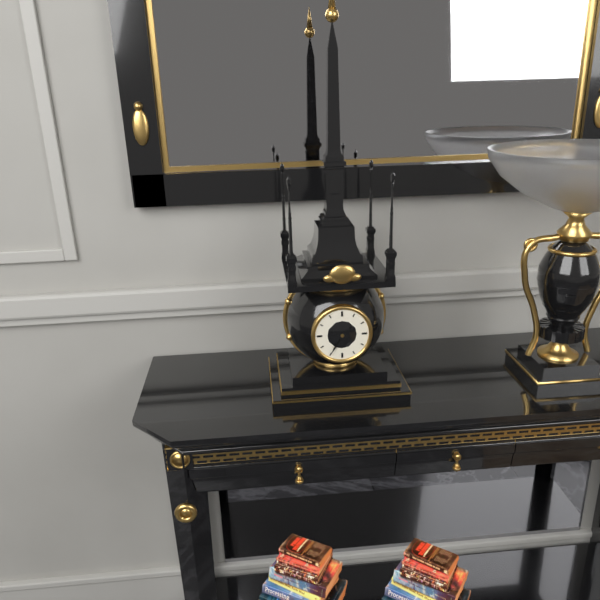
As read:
1,35
